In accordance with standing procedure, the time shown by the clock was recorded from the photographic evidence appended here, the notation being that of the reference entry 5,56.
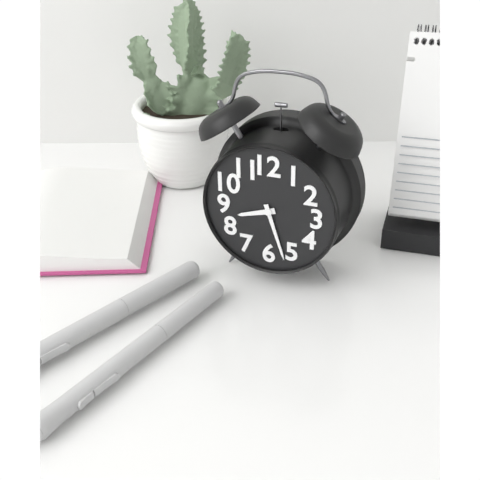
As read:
8,27
